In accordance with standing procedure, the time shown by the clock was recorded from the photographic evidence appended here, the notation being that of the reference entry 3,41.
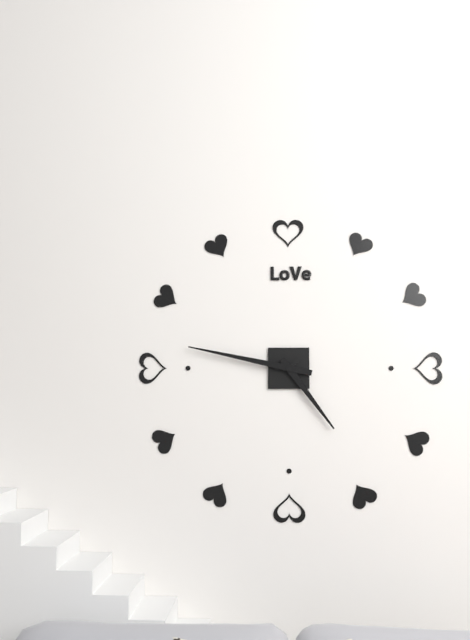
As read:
4,47
